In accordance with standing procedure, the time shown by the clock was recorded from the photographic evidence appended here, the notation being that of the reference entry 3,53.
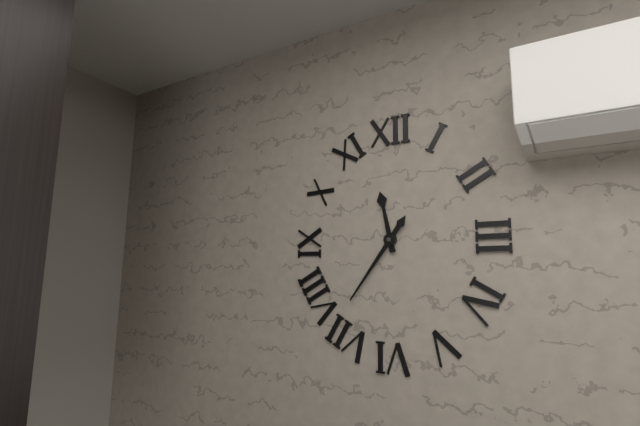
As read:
11,36
